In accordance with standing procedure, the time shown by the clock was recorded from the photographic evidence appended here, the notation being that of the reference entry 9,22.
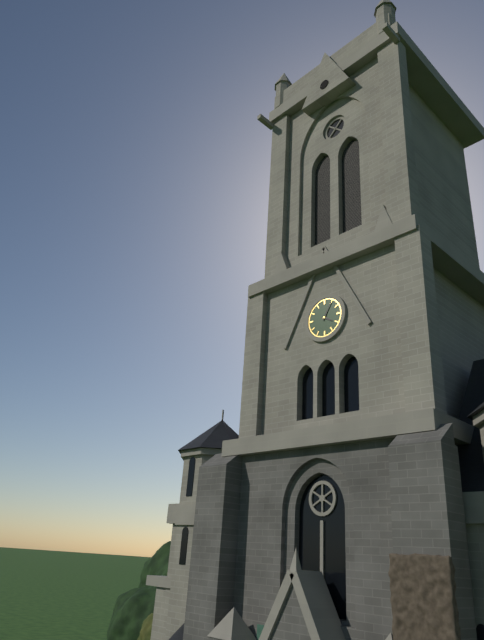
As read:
4,05
